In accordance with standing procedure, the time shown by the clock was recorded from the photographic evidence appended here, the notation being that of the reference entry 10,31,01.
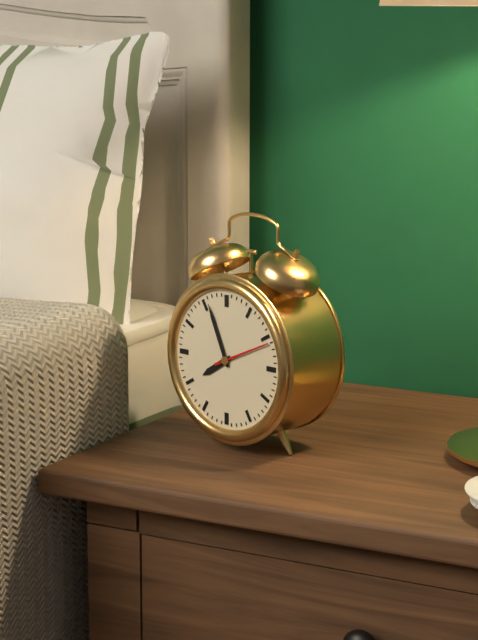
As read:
7,56,11
